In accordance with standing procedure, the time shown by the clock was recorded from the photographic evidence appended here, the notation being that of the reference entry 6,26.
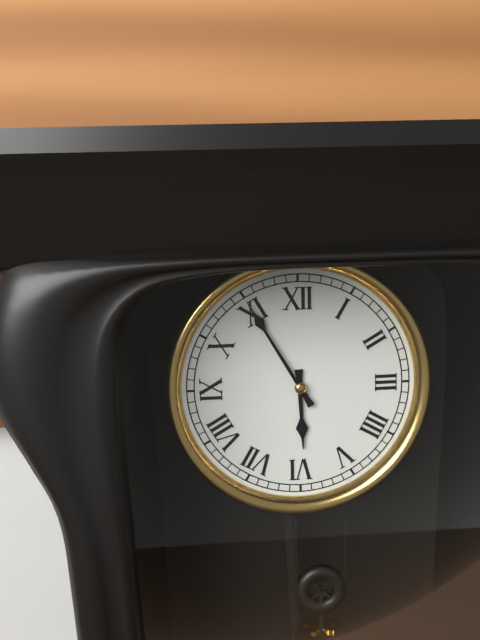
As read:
5,55
